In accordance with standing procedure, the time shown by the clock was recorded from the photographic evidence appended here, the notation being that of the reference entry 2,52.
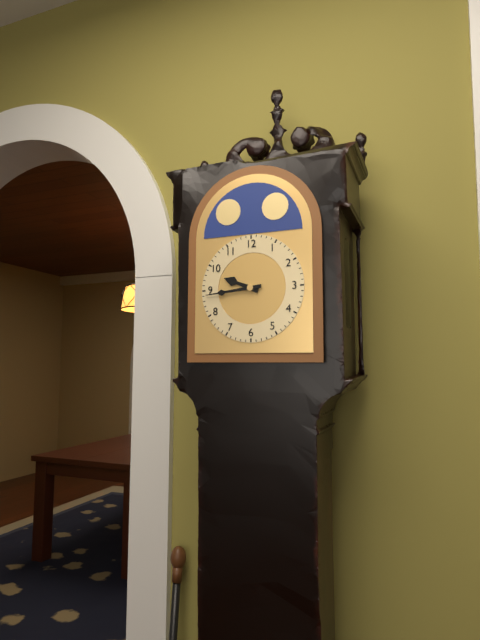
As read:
9,44
